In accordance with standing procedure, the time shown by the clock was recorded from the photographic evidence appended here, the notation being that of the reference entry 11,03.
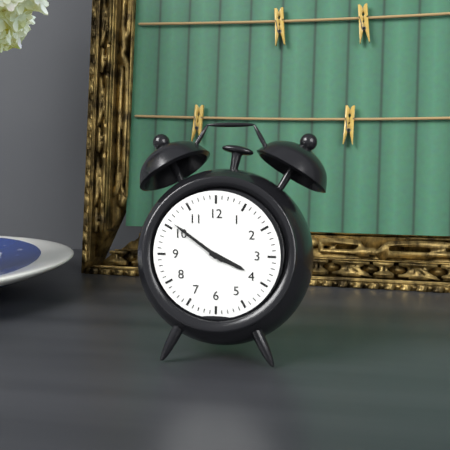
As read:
3,51
